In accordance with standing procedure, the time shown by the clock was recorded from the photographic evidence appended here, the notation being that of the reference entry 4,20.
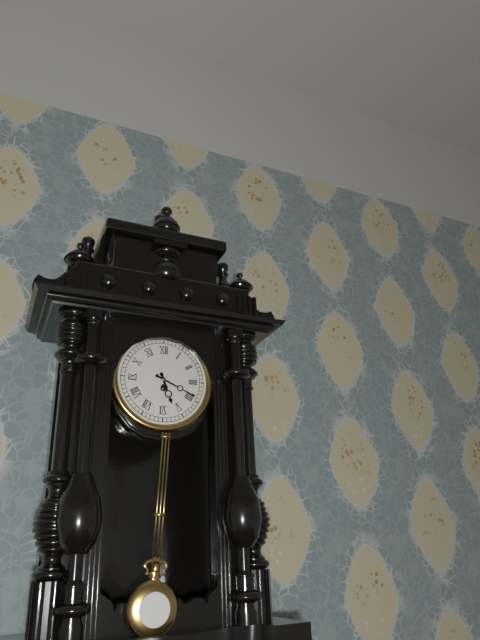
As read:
5,19
